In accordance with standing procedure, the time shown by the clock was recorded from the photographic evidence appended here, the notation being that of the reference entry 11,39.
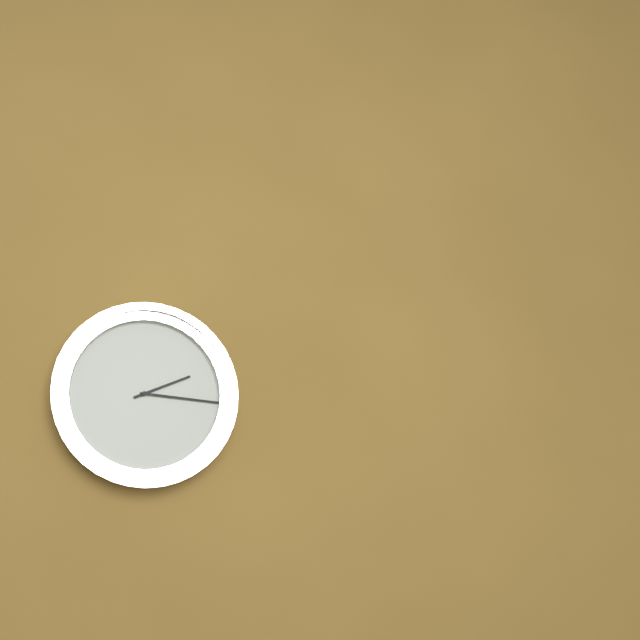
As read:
2,16
